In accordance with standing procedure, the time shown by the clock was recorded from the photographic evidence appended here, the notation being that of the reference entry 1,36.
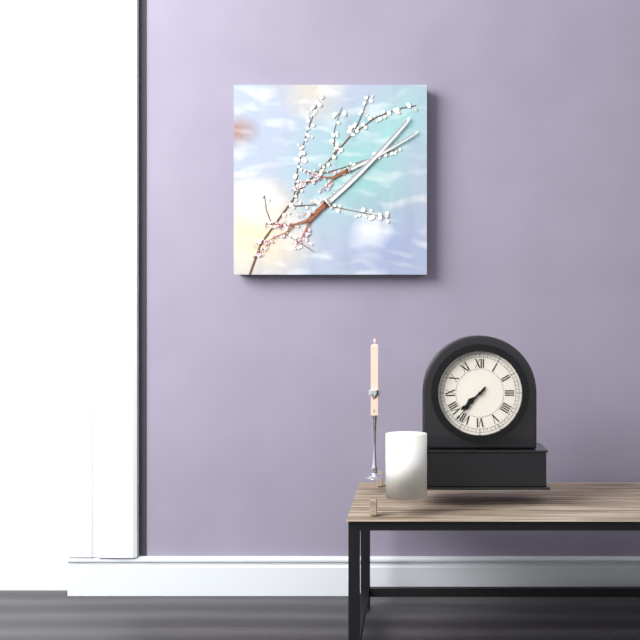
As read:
7,37
